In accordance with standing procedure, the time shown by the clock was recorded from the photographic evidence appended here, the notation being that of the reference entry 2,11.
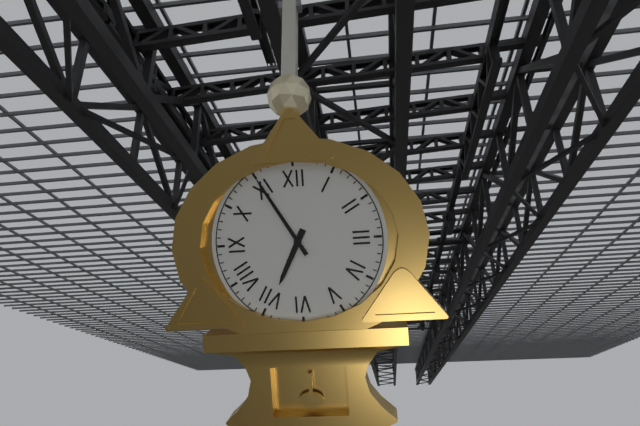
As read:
6,55
